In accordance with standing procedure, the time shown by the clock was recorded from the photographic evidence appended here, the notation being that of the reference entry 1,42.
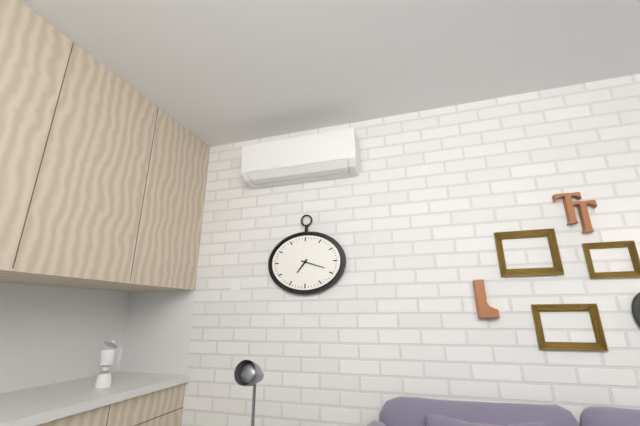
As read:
7,18
